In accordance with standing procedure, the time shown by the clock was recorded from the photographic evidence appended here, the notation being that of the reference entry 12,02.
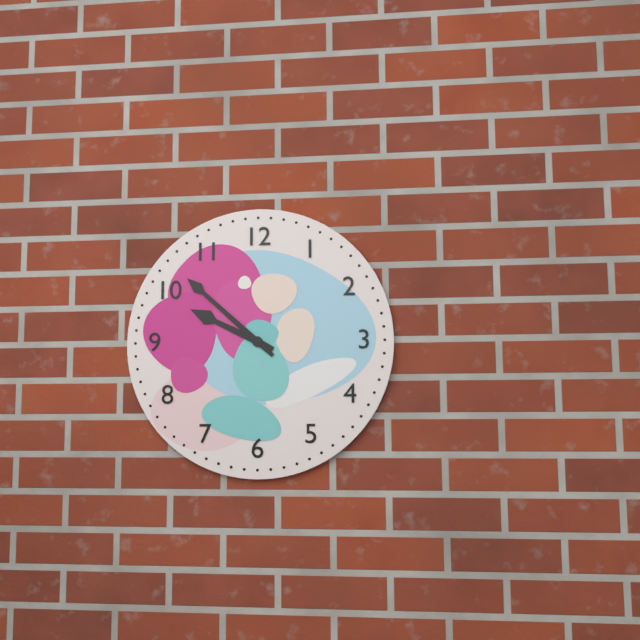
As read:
9,52
